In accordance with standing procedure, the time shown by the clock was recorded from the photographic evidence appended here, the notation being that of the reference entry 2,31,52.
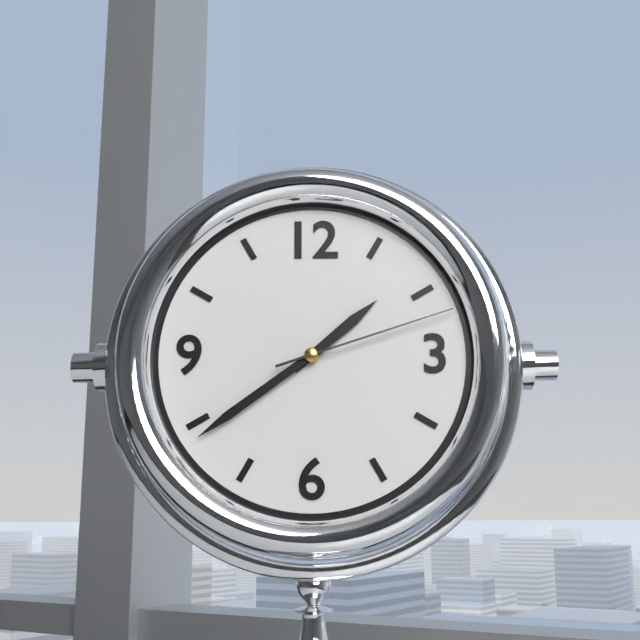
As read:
1,39,12
